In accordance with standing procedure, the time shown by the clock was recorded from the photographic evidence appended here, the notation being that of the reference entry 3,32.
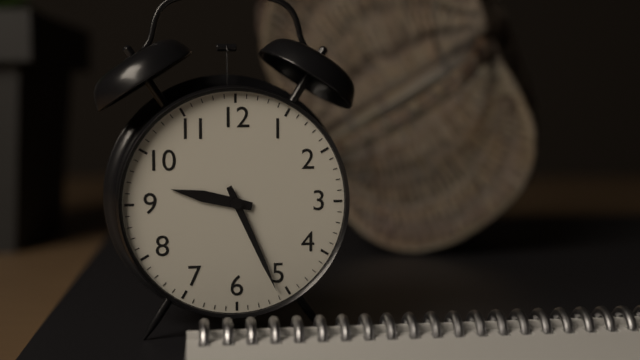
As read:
9,26
